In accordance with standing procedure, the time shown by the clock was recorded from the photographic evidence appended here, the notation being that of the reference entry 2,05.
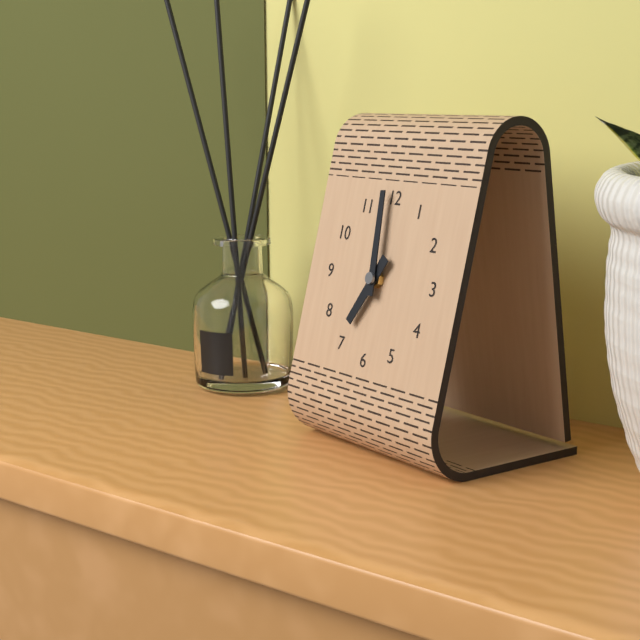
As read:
6,59
